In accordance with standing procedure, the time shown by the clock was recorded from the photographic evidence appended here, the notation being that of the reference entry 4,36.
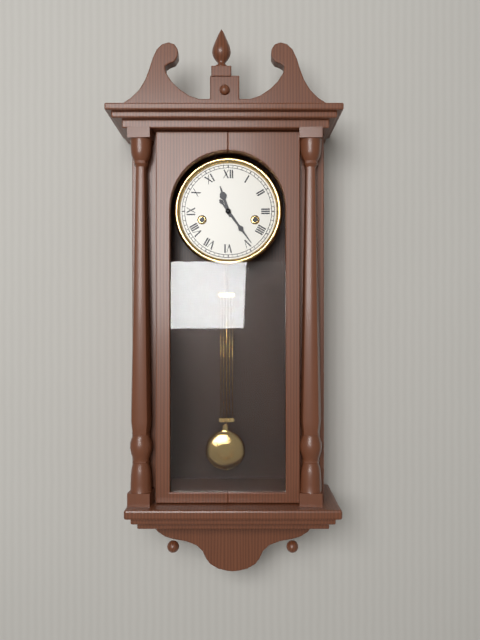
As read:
11,24
